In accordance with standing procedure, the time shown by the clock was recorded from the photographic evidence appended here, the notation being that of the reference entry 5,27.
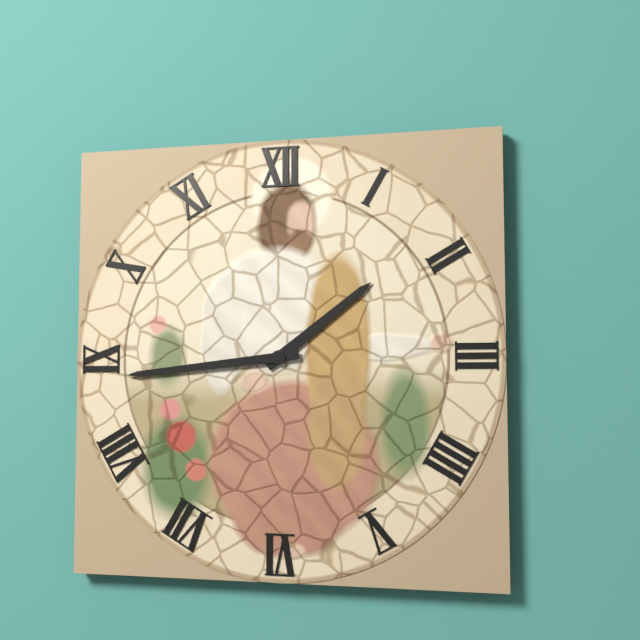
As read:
1,44
